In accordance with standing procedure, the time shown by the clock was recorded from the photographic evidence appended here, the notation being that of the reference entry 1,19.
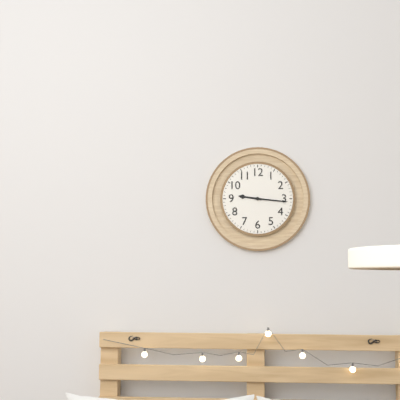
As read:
9,16
